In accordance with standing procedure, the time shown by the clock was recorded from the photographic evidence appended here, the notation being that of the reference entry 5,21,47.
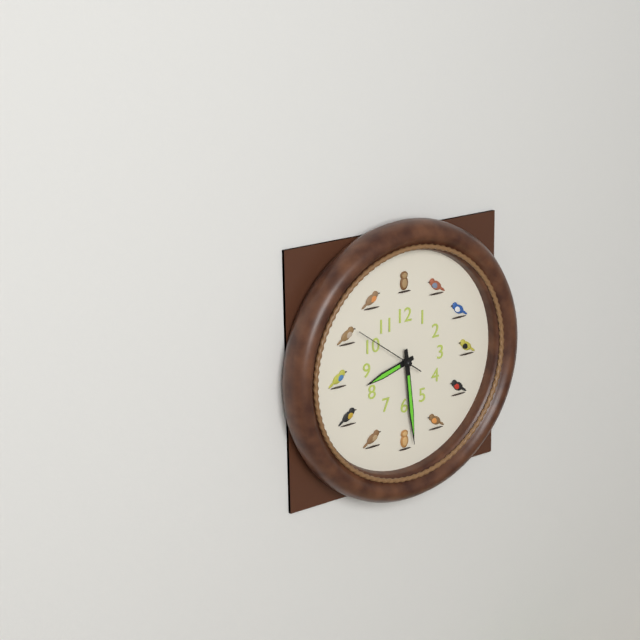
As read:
8,29,51
